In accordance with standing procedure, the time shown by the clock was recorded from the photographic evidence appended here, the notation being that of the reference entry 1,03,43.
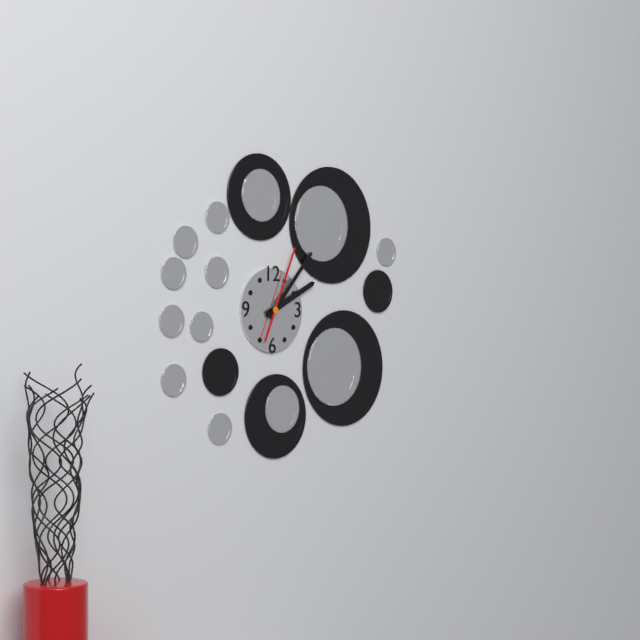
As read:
2,07,04
